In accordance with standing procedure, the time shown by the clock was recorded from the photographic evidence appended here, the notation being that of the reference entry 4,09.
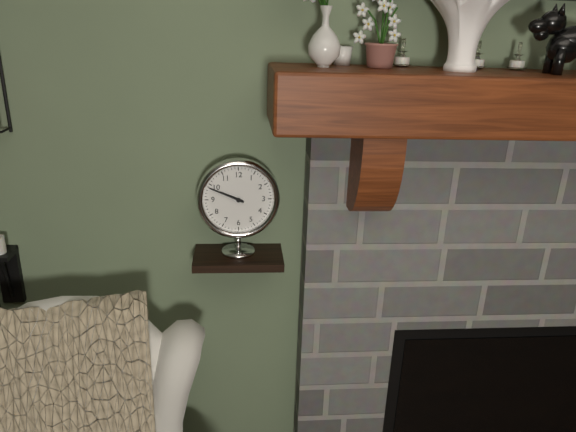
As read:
9,49
